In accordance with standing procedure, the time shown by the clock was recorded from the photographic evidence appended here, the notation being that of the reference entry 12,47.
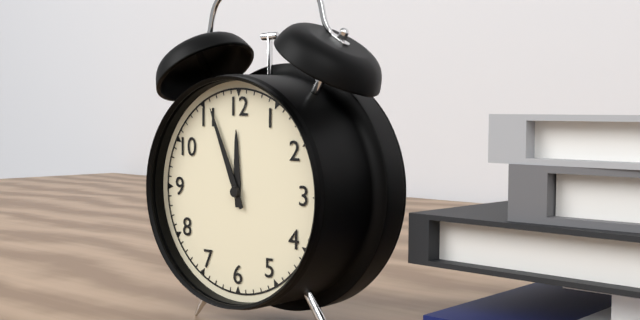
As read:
11,56
